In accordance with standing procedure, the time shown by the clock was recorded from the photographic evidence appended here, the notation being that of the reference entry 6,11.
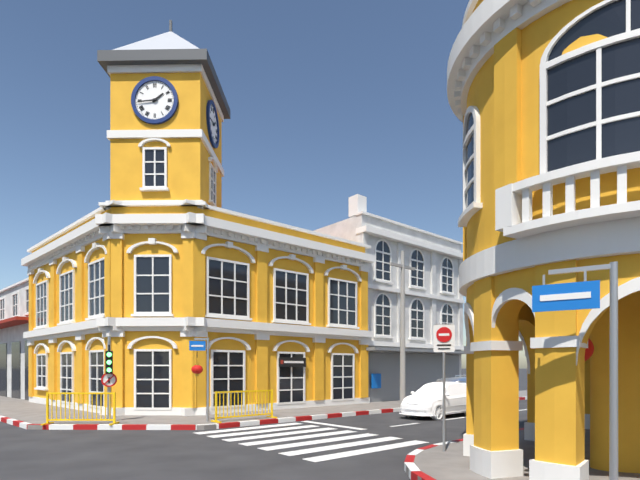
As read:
1,44
